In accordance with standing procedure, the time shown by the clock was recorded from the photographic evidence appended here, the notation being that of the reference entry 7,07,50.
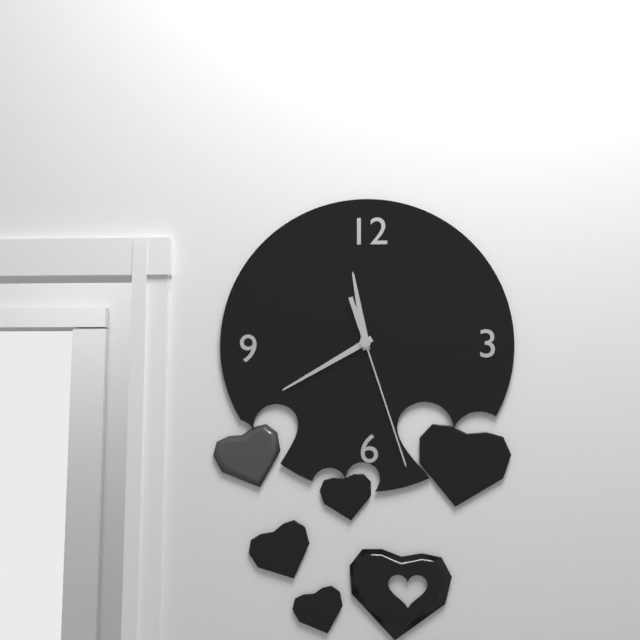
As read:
11,40,27
